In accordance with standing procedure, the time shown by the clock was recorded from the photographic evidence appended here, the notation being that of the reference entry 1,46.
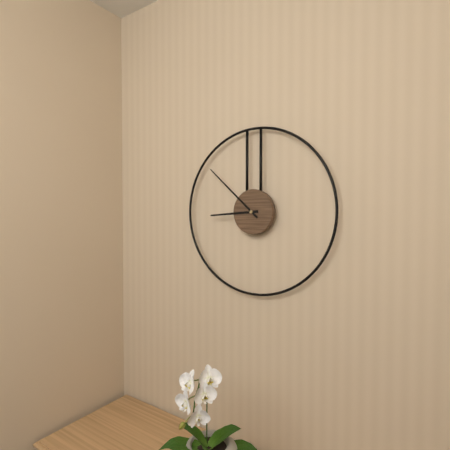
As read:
8,52
